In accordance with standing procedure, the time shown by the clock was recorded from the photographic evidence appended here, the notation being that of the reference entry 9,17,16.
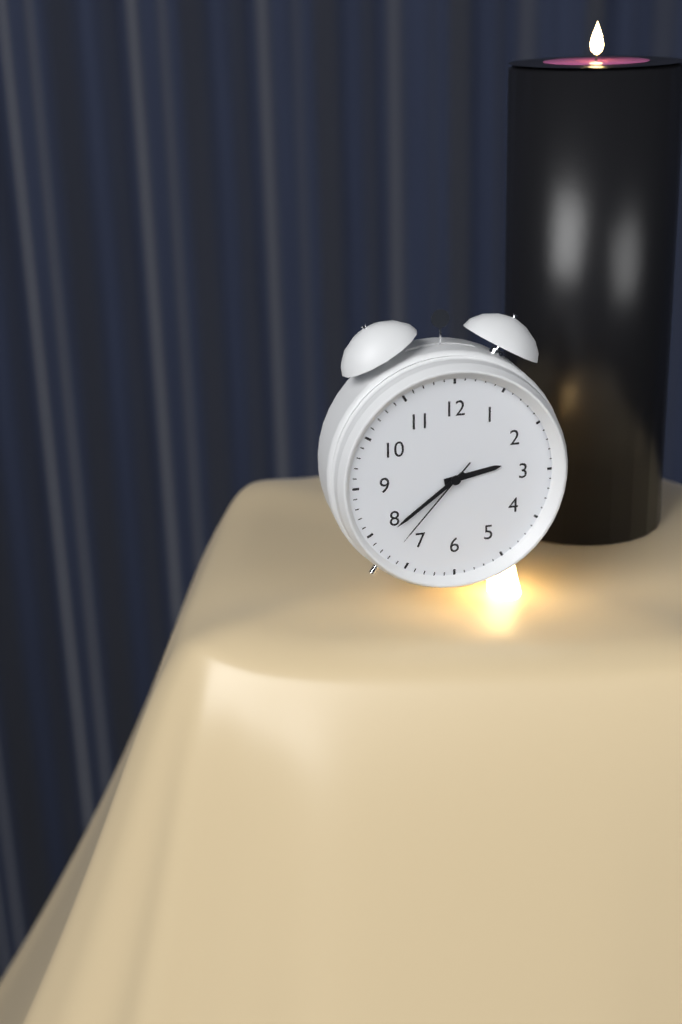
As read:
2,39,37
